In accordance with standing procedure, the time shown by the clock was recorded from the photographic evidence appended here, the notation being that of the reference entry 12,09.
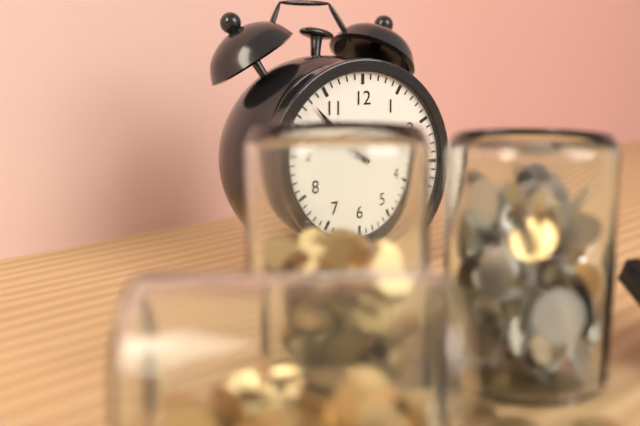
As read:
10,53
